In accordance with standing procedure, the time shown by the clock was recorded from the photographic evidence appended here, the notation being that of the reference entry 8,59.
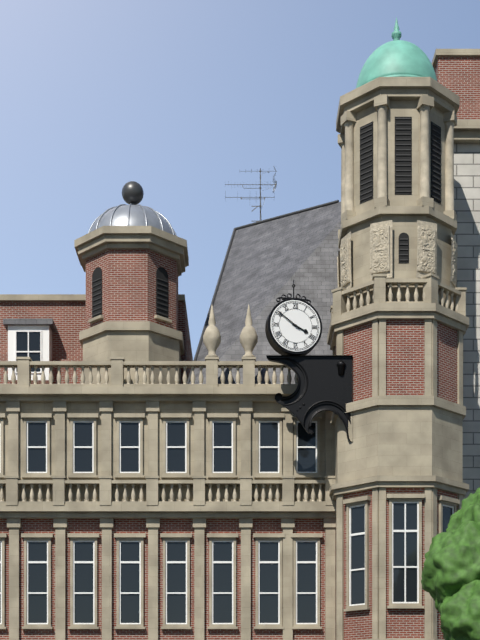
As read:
3,51
